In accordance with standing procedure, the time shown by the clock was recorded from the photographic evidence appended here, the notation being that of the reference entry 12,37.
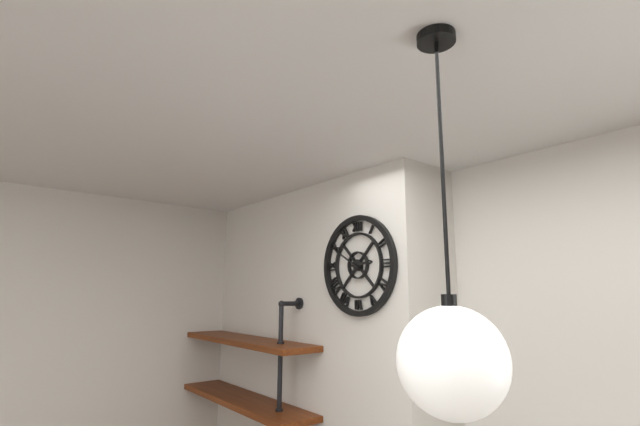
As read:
2,50
